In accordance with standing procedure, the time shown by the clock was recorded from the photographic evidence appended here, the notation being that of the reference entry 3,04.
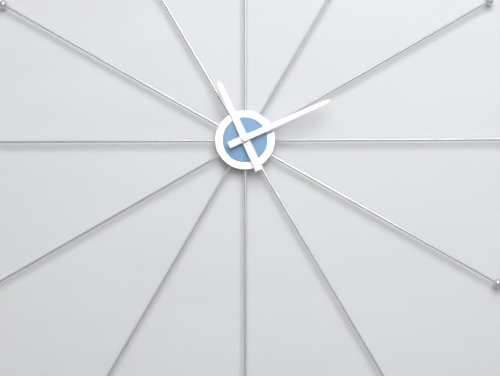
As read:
11,11
